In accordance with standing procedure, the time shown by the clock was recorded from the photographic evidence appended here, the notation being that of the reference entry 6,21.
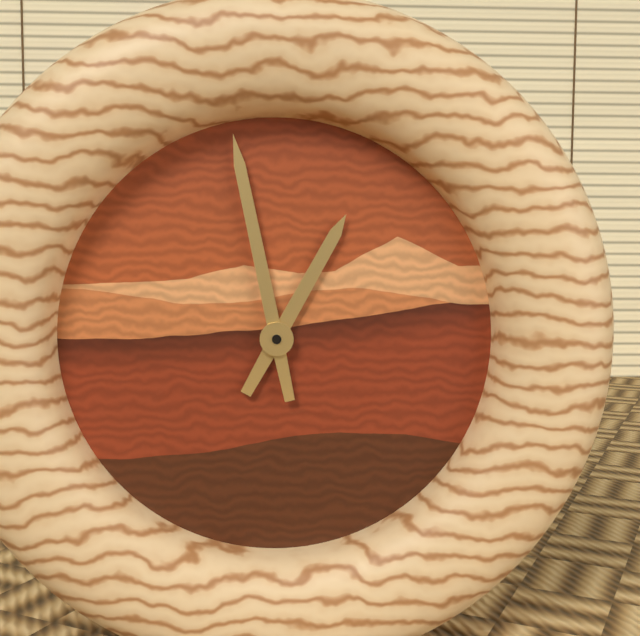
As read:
12,58
